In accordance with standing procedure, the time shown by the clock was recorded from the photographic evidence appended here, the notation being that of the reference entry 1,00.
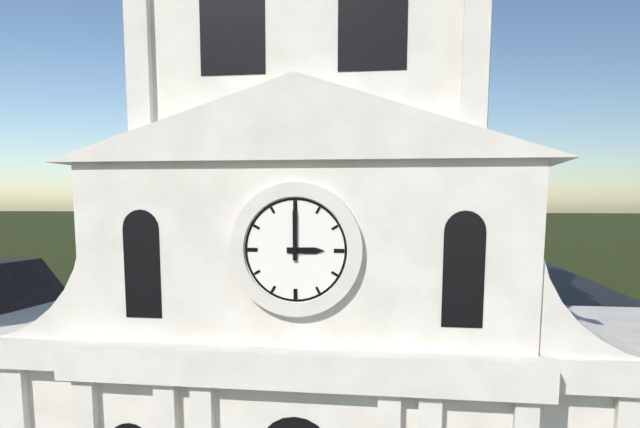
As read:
3,00
